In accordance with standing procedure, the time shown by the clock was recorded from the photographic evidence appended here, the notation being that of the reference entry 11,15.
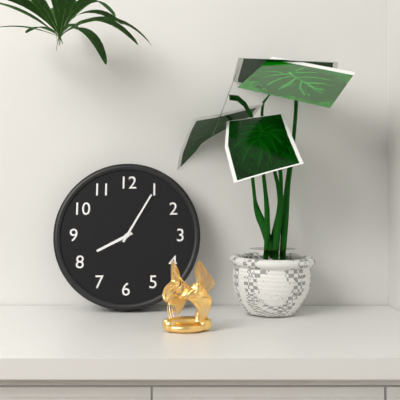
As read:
8,05
